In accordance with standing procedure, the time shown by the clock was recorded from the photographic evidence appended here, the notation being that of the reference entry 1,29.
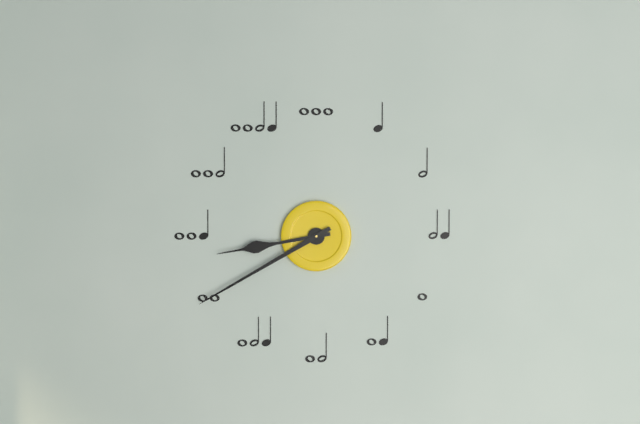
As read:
8,40
